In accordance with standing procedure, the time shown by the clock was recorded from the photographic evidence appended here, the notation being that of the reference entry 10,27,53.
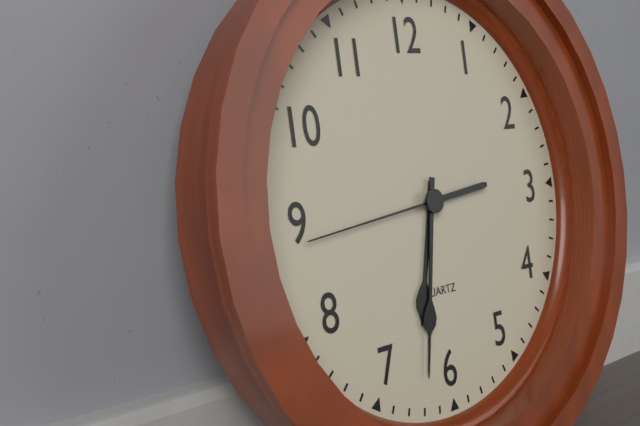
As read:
6,32,44
